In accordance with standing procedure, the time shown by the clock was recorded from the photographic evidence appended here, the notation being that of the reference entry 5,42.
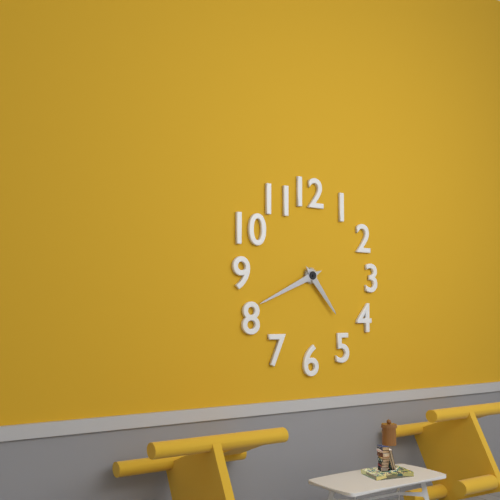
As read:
4,41
